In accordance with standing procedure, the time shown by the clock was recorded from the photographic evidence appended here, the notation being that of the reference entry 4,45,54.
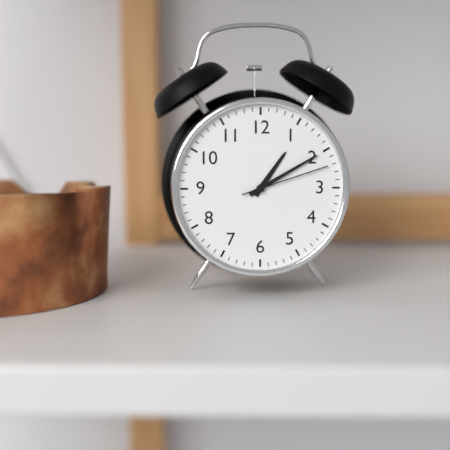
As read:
1,10,12
